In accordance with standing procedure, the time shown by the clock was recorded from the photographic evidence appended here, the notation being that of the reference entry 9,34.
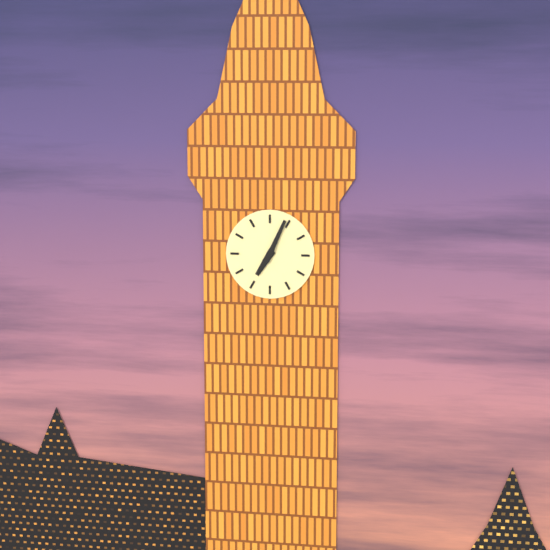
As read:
7,04
